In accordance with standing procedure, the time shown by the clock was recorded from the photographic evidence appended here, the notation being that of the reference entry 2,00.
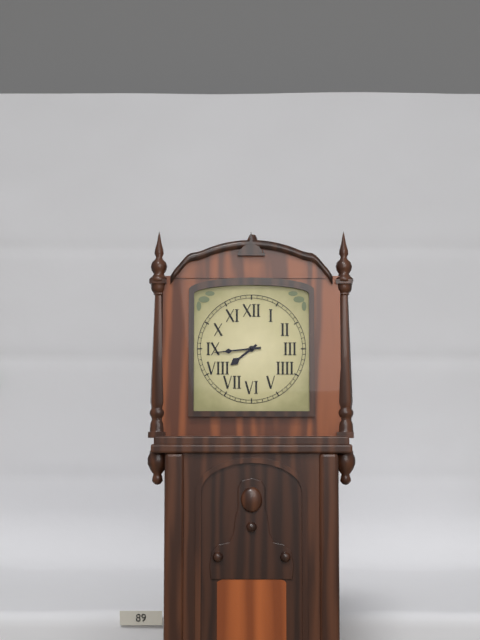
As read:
7,44
